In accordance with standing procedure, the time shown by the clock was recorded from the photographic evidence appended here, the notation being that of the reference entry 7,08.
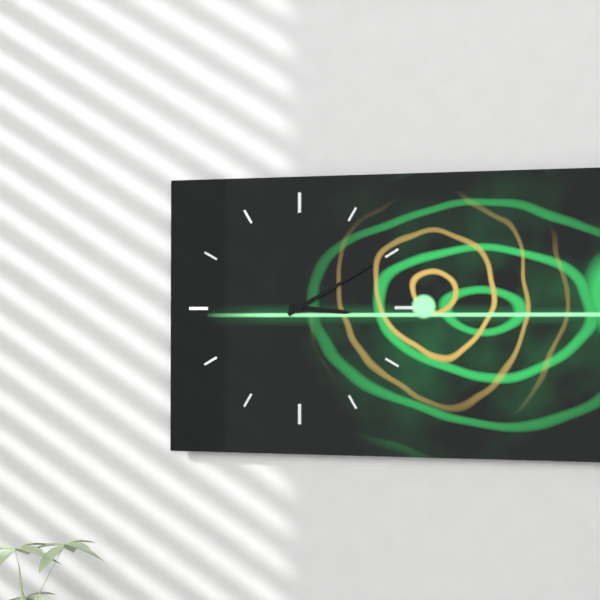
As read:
3,10
